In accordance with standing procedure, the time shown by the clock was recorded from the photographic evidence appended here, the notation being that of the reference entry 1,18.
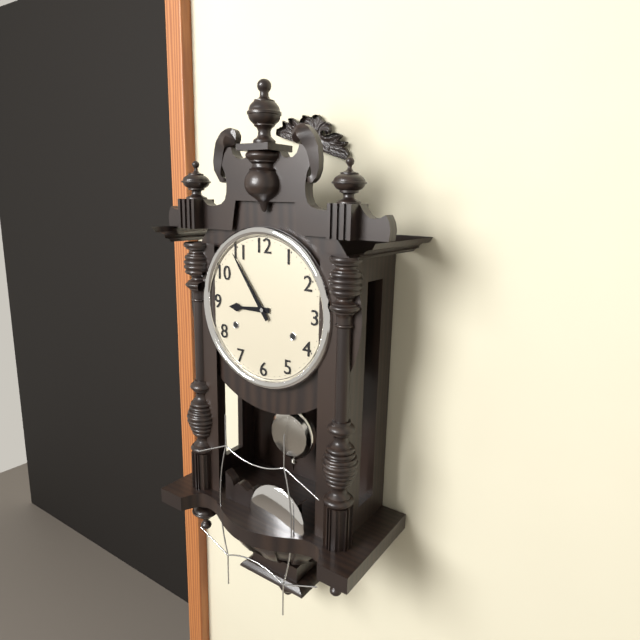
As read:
8,54
